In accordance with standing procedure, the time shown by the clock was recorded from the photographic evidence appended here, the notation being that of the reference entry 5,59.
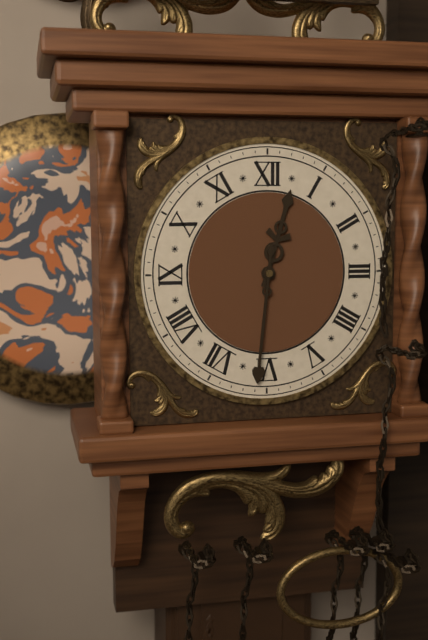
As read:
12,31
